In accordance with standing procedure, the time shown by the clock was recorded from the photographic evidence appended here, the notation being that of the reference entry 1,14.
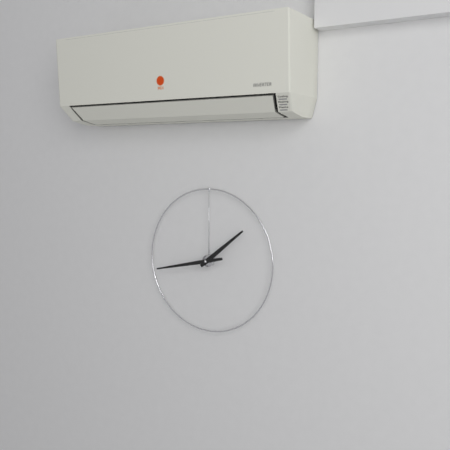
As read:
1,43
